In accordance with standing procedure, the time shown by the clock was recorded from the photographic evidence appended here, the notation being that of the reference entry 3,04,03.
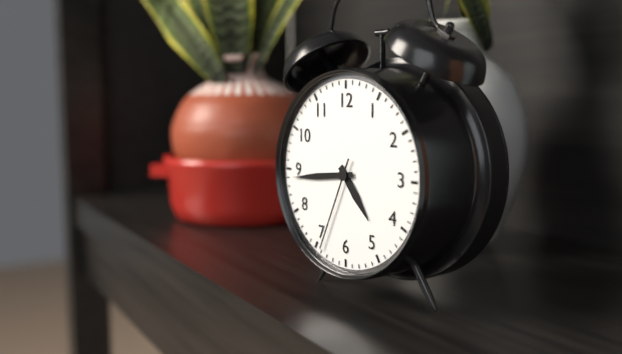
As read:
4,44,34
